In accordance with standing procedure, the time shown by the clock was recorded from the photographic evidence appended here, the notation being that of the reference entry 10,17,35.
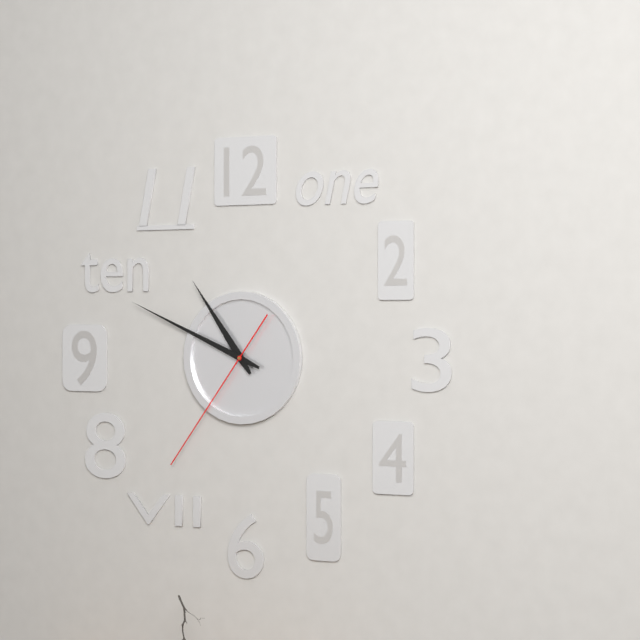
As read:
10,49,36
